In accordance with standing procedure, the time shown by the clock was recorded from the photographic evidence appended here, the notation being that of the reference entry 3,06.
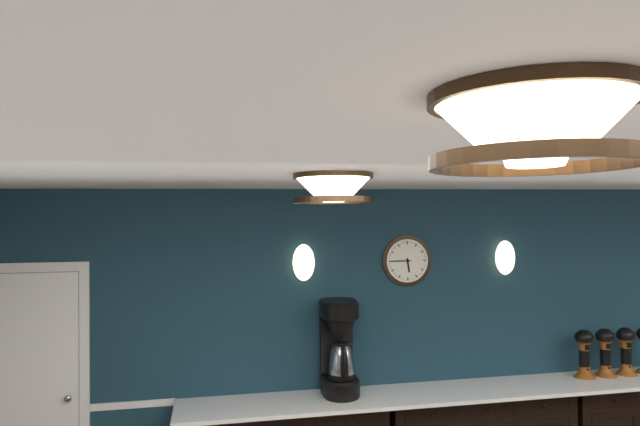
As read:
5,45
